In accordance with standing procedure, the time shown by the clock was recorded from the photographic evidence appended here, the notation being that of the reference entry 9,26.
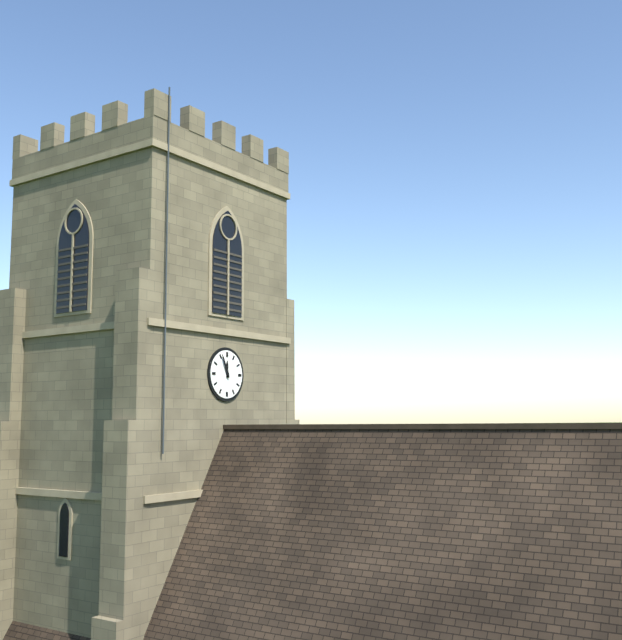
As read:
11,56
